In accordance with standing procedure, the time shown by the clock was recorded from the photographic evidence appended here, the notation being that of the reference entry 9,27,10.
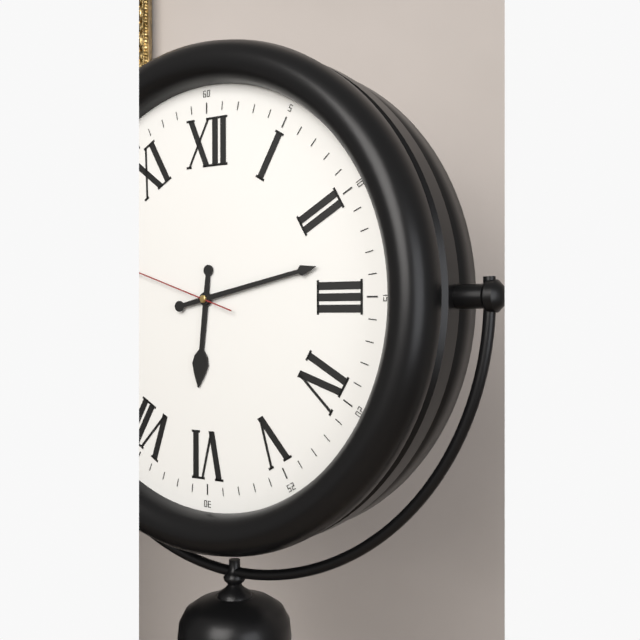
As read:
6,13,48
